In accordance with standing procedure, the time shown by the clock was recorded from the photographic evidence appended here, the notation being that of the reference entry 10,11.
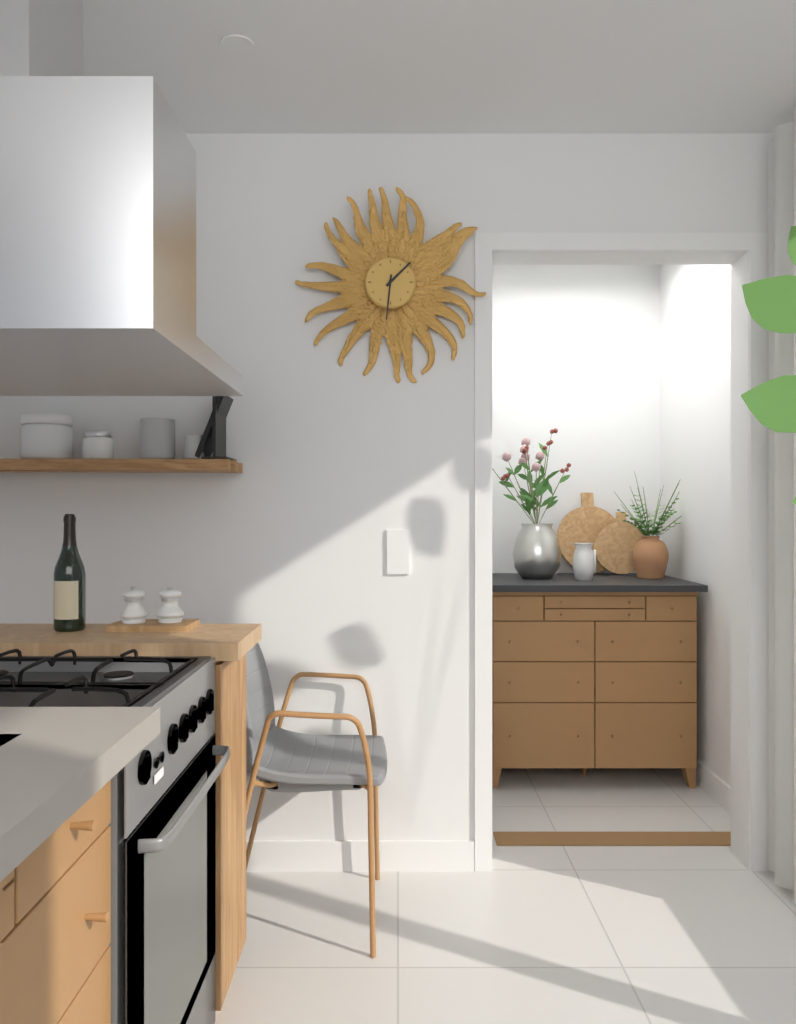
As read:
1,31
